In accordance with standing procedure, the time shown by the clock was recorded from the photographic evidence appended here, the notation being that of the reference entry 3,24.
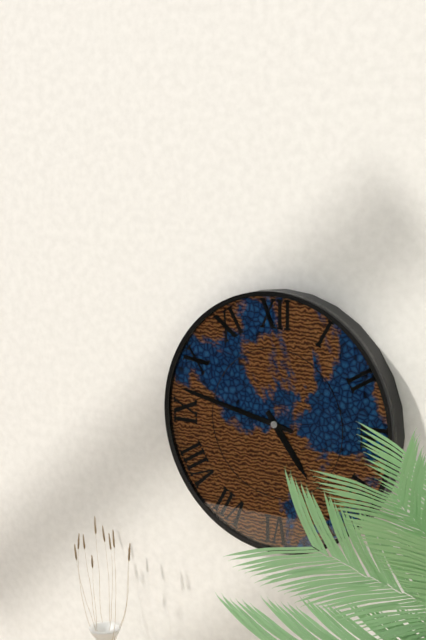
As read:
4,47
